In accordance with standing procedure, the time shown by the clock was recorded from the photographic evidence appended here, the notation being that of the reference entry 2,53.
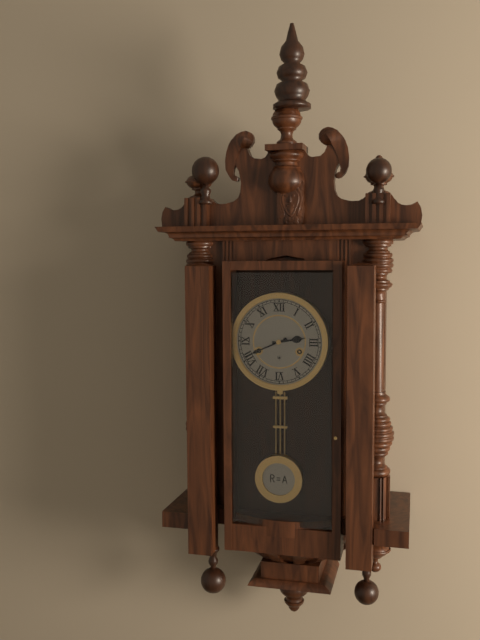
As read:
2,41
